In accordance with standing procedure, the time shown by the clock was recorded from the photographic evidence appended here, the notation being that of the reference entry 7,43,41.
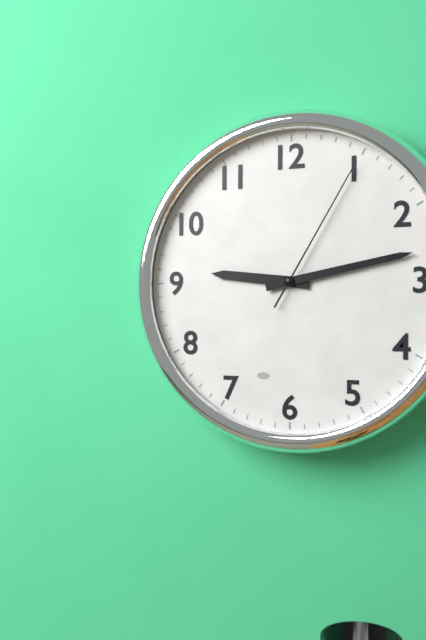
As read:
9,13,05
